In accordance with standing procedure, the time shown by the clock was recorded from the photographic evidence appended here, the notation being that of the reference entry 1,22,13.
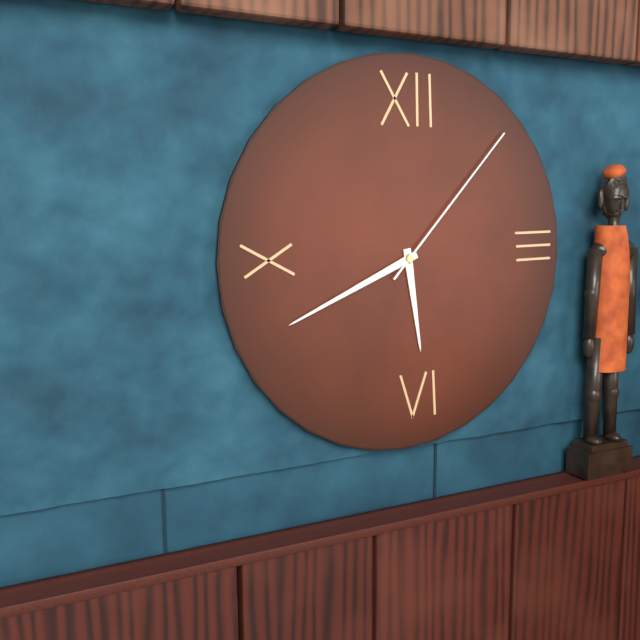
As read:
5,41,07
